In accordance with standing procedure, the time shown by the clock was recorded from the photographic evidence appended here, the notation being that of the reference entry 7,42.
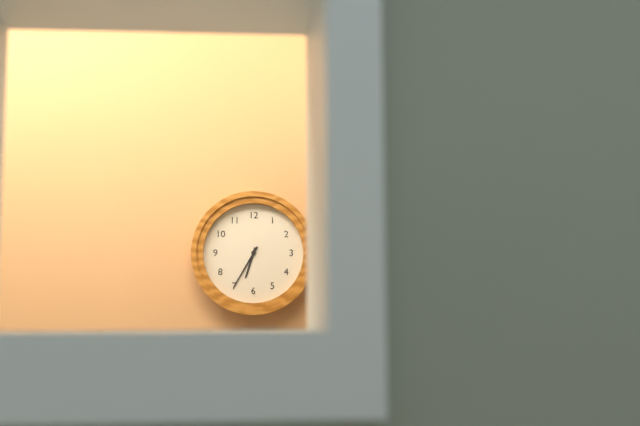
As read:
6,35
